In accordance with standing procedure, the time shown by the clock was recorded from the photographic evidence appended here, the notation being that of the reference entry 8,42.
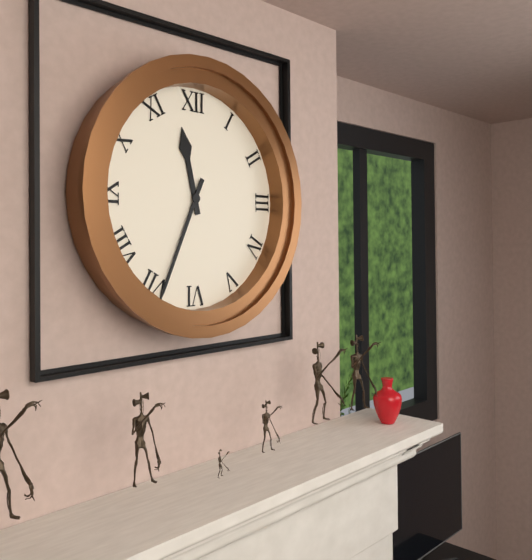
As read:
11,34
